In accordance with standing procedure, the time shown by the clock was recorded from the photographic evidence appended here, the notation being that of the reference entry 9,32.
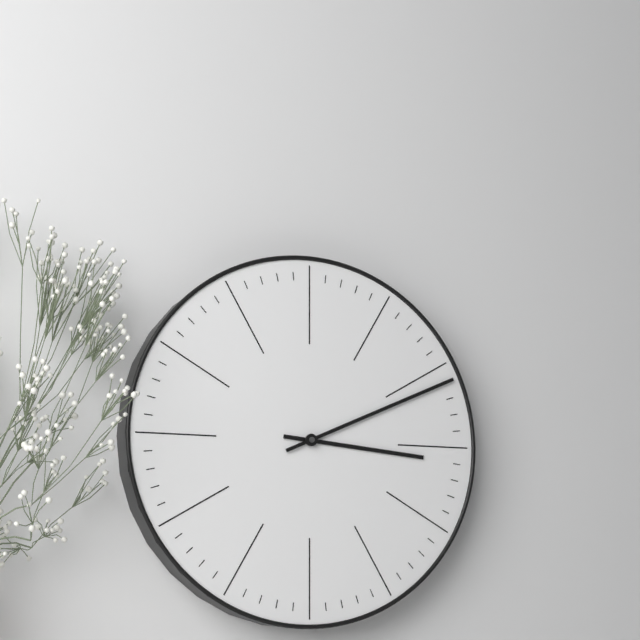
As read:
3,11
